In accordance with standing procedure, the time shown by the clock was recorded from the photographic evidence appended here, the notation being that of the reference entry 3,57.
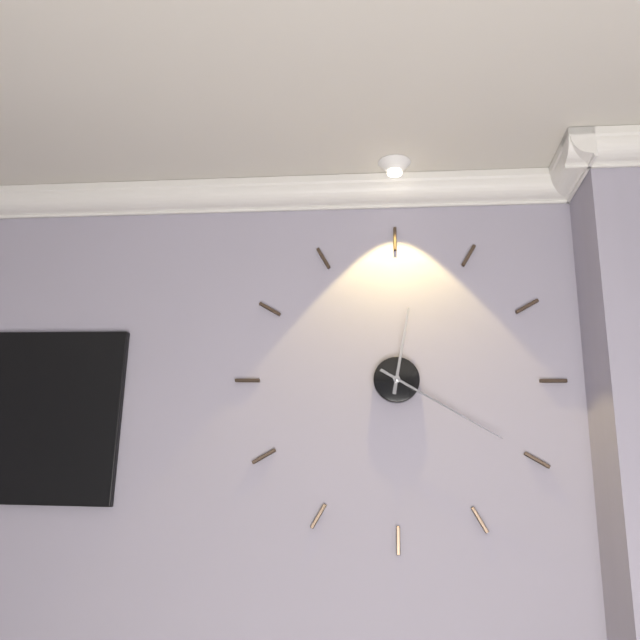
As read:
12,20
